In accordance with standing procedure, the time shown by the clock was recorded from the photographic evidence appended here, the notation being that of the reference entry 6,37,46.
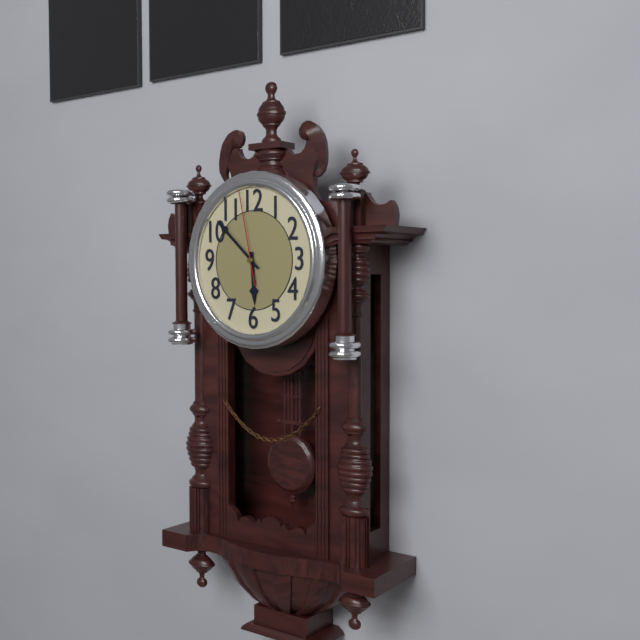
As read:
5,52,58
